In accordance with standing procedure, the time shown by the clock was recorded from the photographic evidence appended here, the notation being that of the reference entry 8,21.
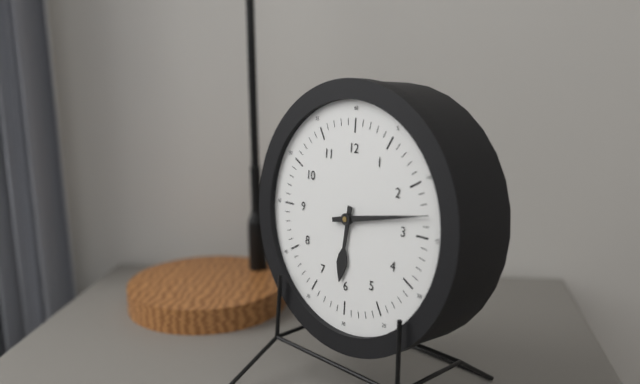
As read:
6,13
